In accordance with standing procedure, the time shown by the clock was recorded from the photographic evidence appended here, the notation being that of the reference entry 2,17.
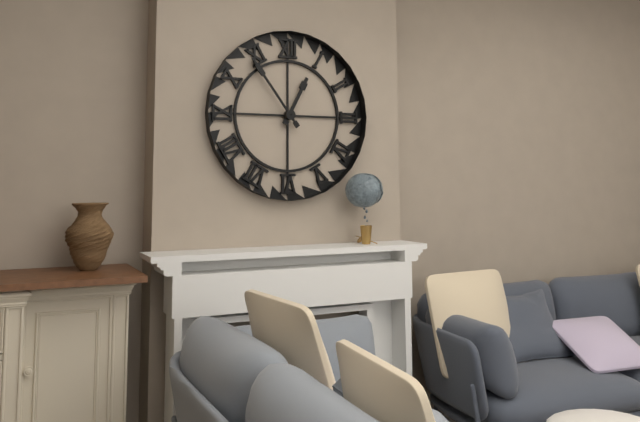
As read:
12,54
